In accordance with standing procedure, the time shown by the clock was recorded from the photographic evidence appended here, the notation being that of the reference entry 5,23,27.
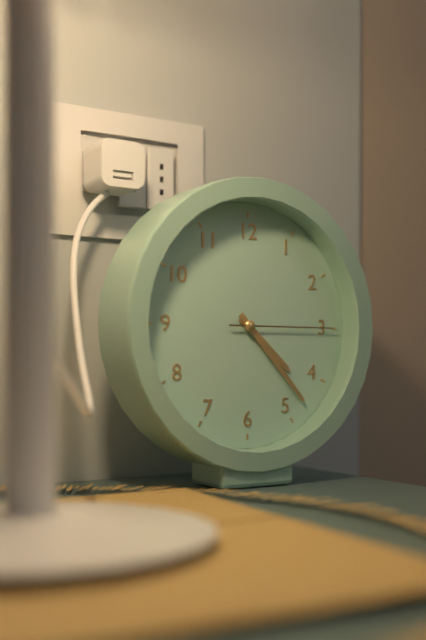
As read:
4,23,15
